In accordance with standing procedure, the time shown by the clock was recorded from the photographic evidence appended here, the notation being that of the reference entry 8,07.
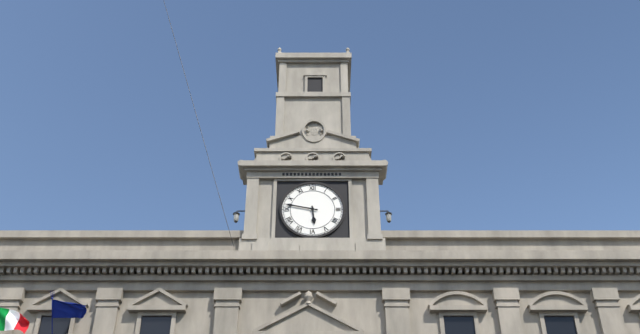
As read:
5,47
